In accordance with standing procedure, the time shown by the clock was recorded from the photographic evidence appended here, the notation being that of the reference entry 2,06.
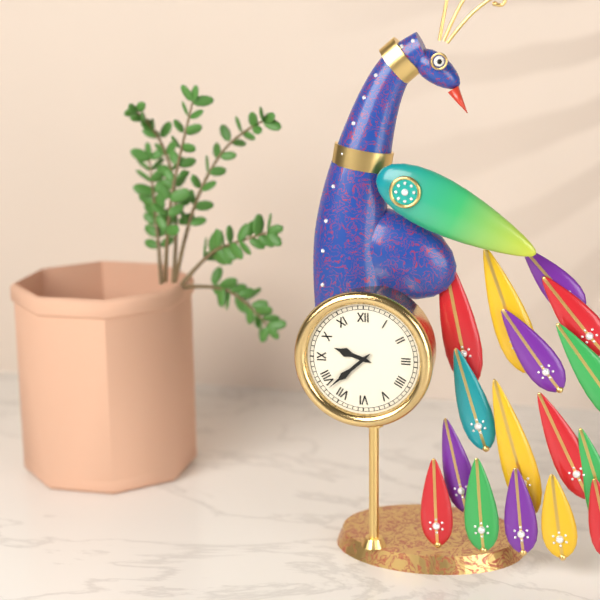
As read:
9,38
